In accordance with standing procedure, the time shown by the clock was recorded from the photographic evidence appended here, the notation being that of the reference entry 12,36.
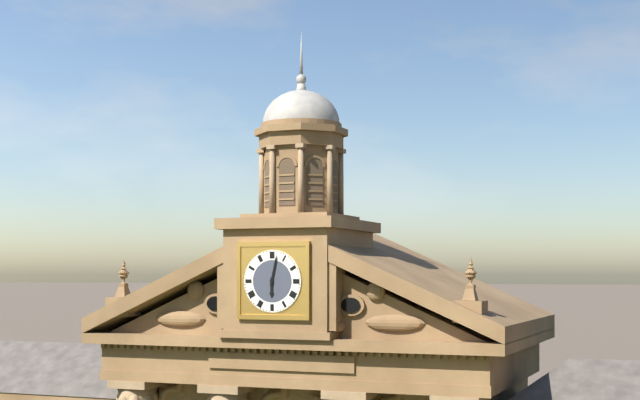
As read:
6,02
